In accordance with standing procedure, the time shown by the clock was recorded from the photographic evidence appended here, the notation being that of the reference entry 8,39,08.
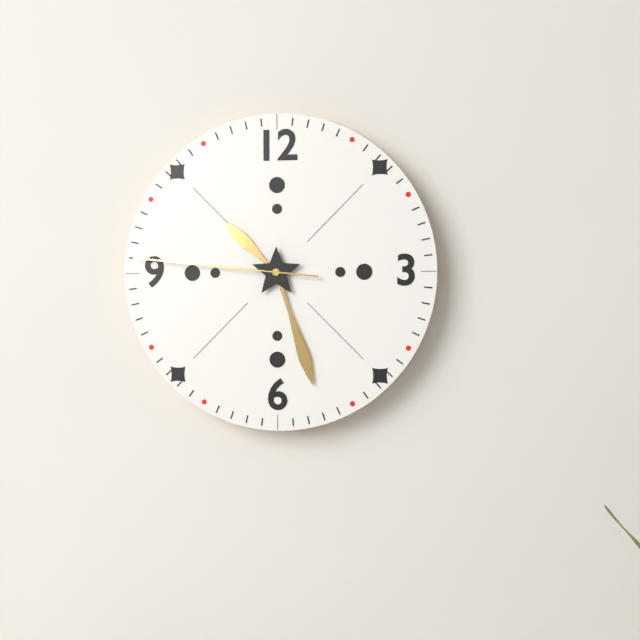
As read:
10,27,46
